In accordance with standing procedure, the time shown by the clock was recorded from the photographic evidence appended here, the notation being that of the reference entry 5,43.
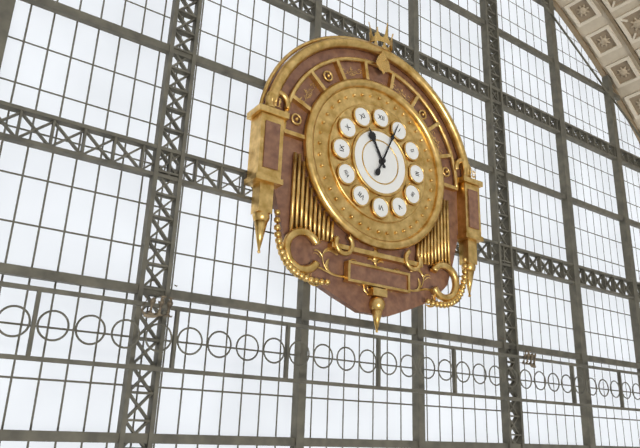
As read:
11,04
